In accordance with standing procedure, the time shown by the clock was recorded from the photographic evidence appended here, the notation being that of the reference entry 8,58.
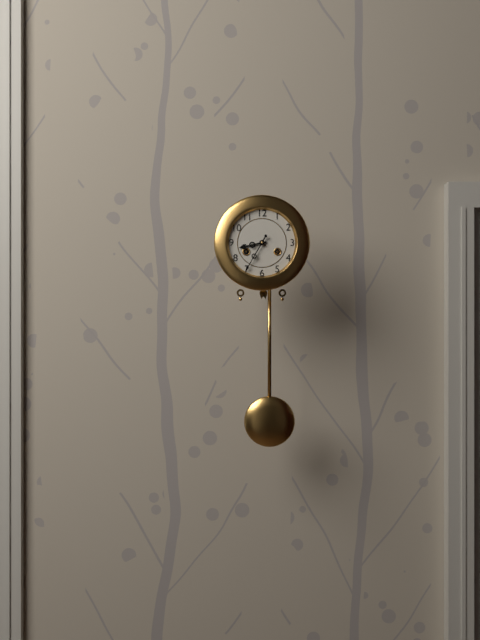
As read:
8,35
